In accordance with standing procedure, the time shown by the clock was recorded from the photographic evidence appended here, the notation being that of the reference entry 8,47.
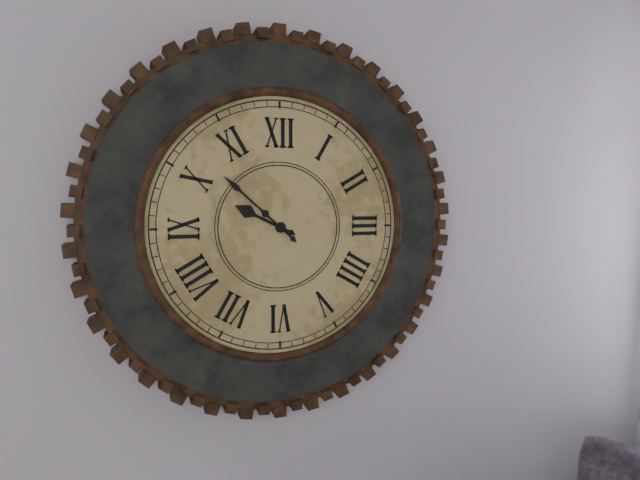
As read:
9,52
